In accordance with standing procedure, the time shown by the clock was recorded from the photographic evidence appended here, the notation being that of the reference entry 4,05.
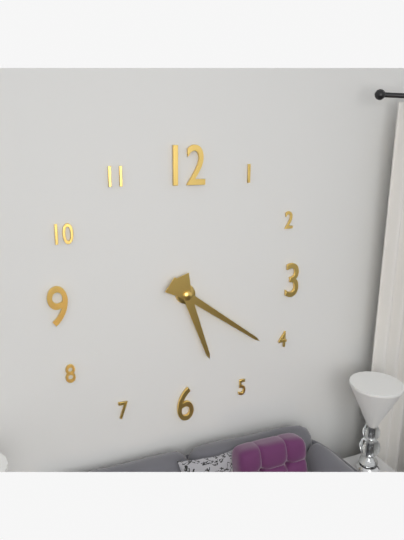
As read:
5,21
